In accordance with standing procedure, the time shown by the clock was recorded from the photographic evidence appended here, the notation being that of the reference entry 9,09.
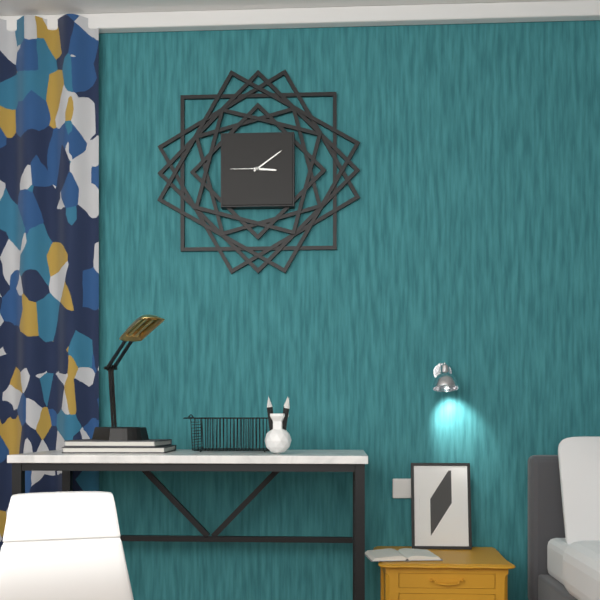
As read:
3,09
